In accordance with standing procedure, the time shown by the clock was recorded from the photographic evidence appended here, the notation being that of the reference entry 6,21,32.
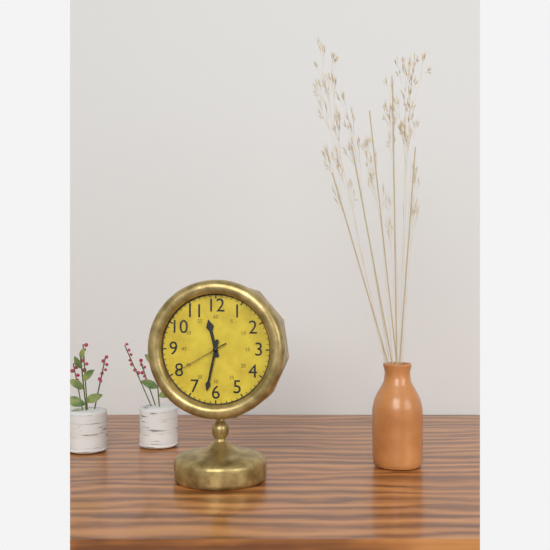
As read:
11,32,40
